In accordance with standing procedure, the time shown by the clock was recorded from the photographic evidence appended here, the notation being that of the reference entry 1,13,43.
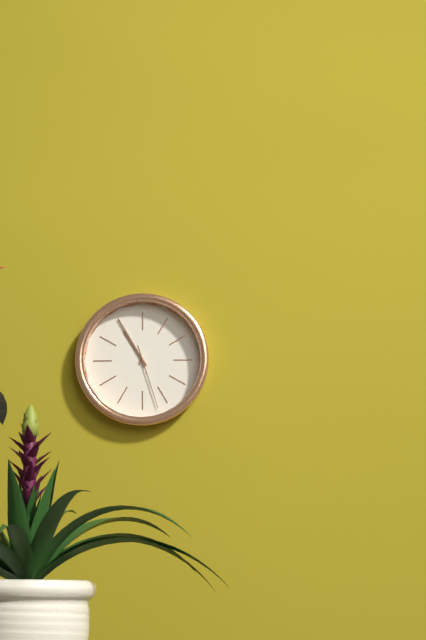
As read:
10,55,27
